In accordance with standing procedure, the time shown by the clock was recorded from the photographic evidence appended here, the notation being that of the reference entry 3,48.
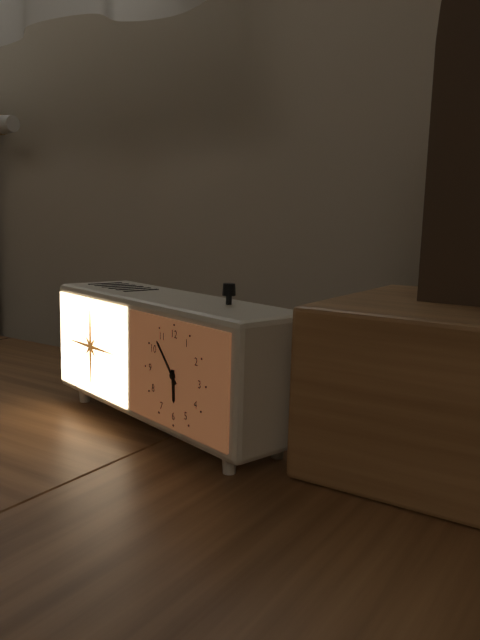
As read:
5,53
